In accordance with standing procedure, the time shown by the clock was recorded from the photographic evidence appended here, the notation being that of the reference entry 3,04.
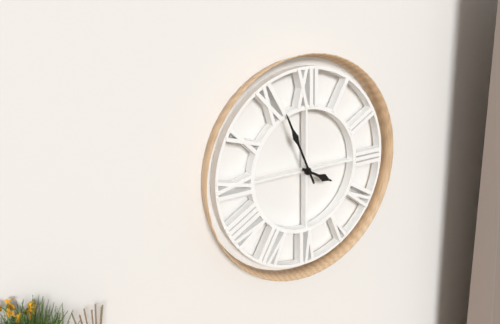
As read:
3,56
